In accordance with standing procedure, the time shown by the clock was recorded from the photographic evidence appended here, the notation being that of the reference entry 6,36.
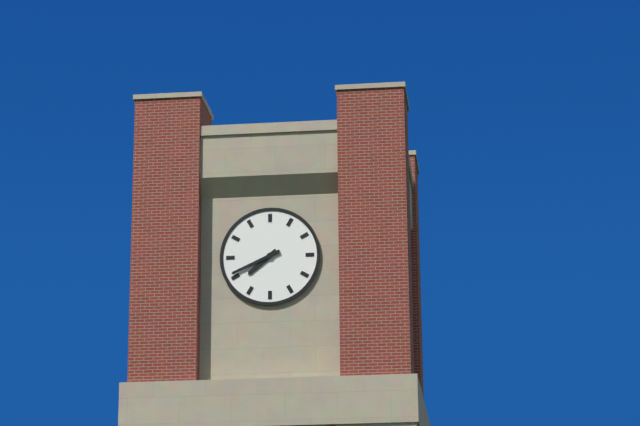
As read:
7,41
